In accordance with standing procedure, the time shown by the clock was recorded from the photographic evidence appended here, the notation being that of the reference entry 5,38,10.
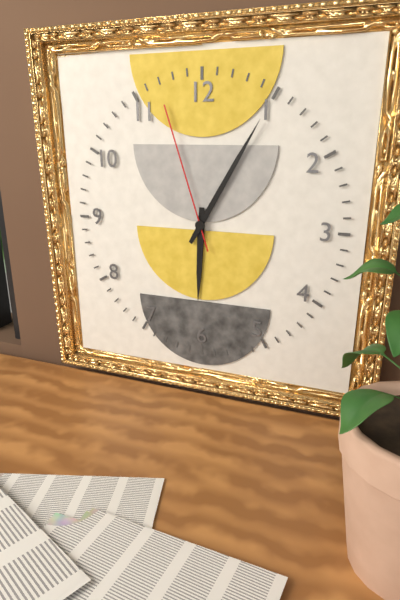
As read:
6,05,57
